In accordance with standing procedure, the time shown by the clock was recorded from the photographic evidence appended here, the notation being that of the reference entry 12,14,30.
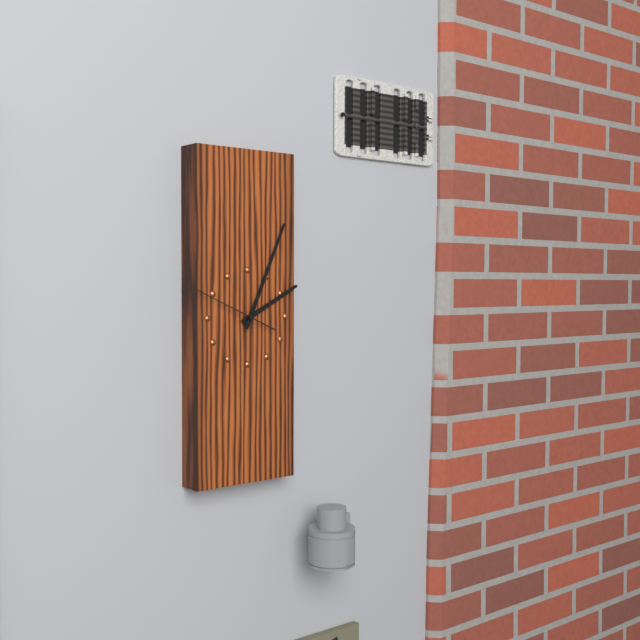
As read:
2,04,49
